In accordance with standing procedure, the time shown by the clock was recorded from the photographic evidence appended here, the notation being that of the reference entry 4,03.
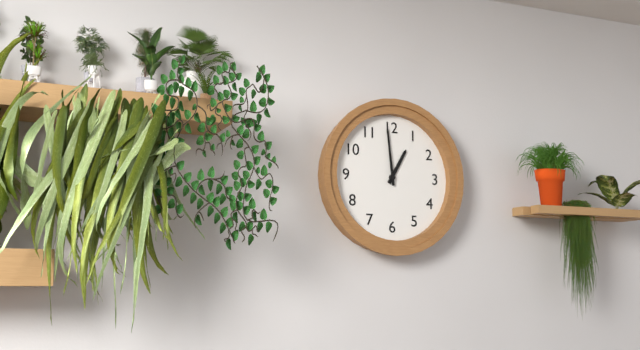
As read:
12,59
